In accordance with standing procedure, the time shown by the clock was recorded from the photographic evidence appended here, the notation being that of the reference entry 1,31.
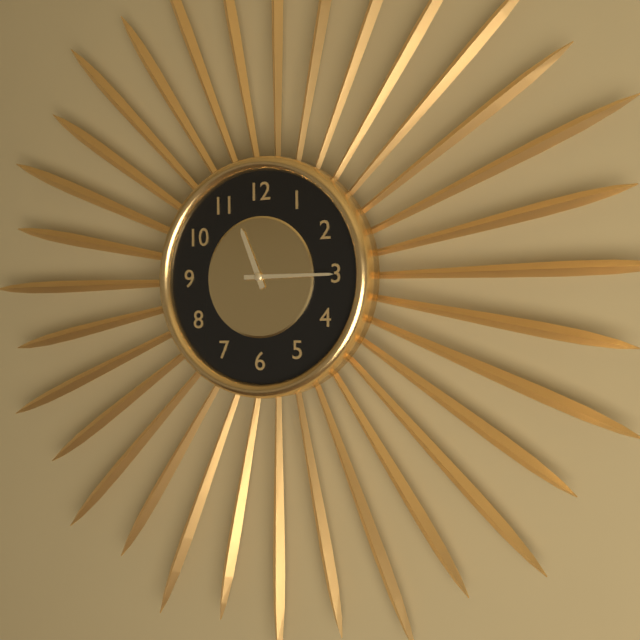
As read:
11,15
